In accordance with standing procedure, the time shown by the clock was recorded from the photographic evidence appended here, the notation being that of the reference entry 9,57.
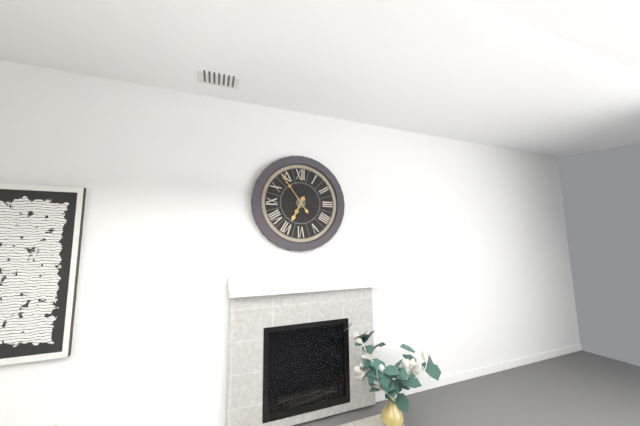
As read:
6,54
